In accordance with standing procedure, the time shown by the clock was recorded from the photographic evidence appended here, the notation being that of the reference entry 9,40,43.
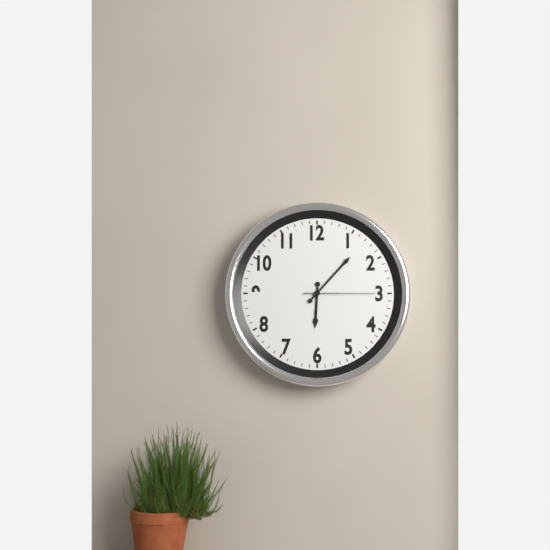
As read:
6,07,15
